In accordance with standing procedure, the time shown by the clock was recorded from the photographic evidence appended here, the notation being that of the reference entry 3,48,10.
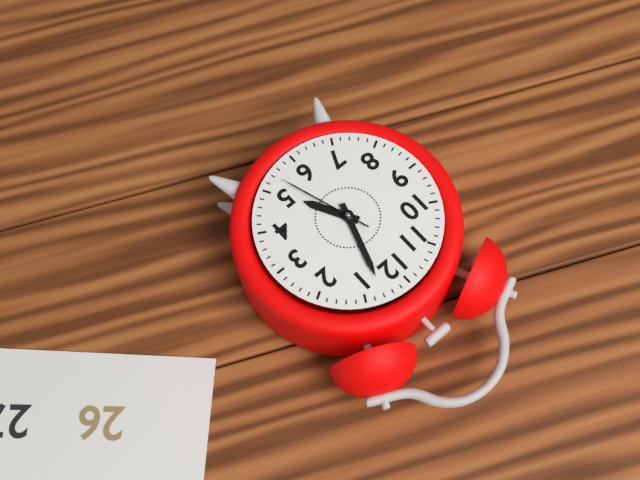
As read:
5,03,27
